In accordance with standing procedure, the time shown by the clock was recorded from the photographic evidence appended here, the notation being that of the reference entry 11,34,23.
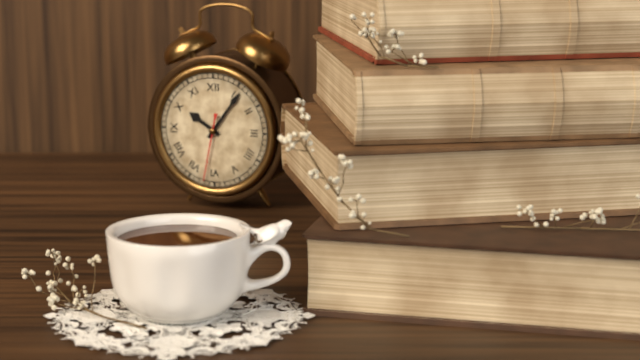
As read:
10,06,32
